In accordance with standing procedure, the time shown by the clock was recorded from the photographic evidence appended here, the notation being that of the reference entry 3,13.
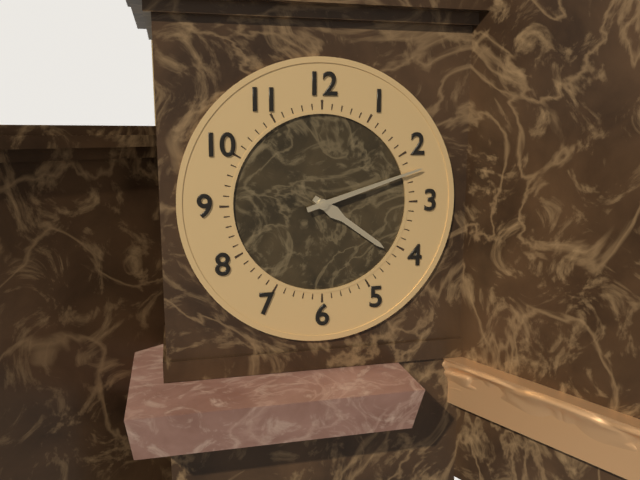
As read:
4,12
